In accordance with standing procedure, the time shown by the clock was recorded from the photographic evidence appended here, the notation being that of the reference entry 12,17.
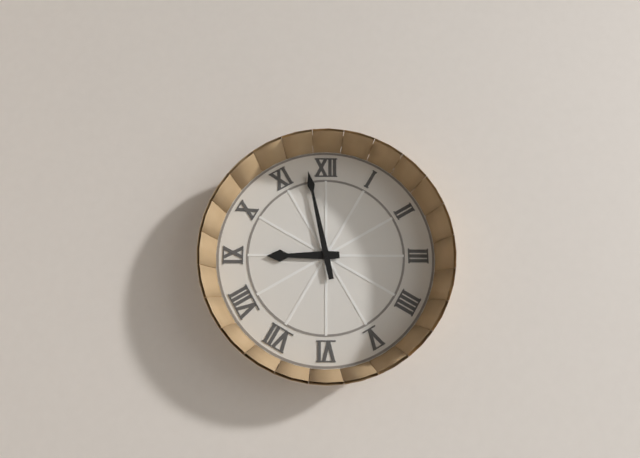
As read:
8,58
